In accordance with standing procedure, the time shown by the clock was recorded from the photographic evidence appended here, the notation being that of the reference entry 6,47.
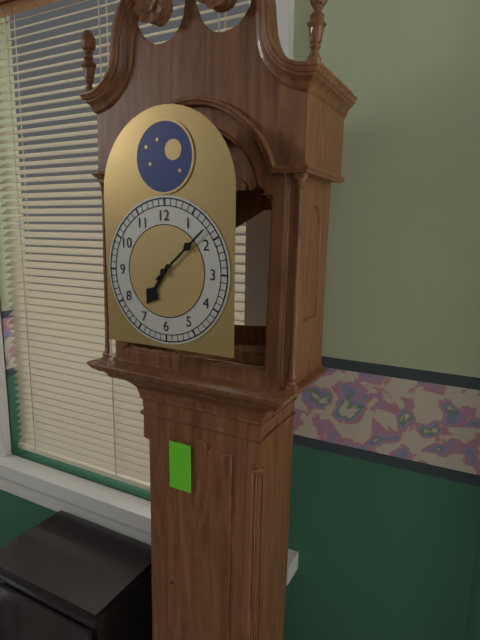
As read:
7,08
